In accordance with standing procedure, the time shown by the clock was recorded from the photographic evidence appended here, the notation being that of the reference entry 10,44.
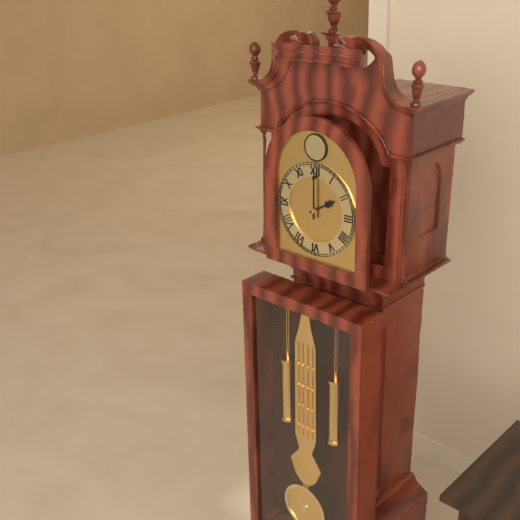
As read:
2,00
